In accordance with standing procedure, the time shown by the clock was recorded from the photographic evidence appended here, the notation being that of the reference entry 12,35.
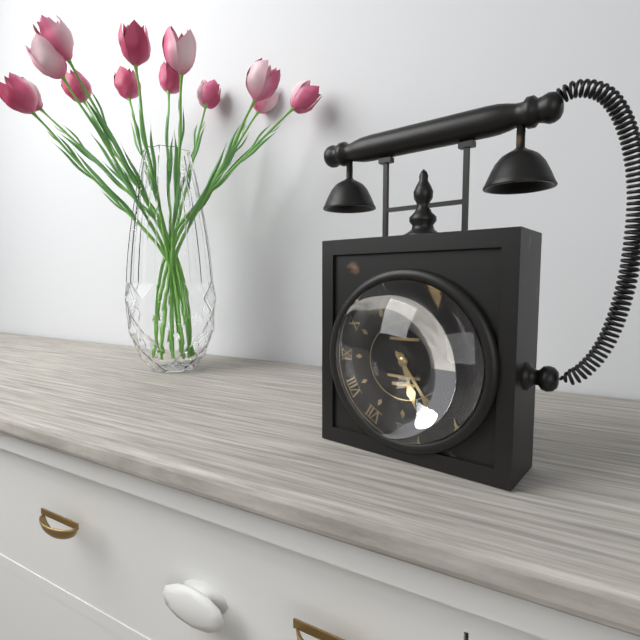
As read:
5,24
